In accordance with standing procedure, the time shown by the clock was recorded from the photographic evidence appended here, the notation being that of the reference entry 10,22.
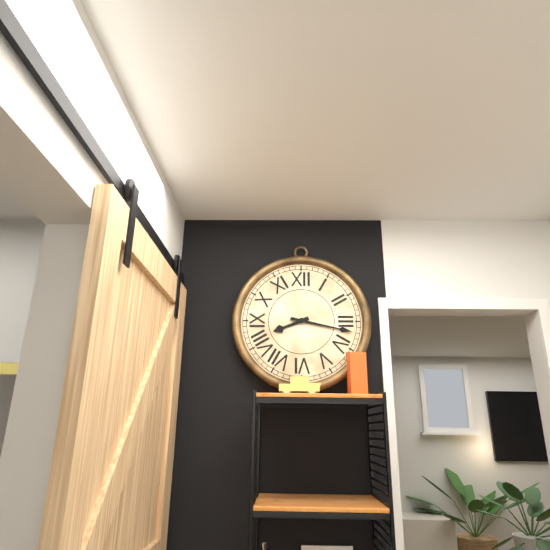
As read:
8,17
